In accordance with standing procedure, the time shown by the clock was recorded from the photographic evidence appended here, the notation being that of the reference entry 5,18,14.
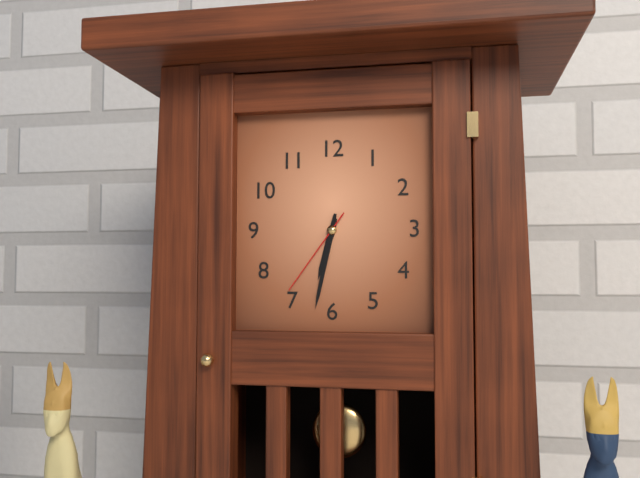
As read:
6,32,36
